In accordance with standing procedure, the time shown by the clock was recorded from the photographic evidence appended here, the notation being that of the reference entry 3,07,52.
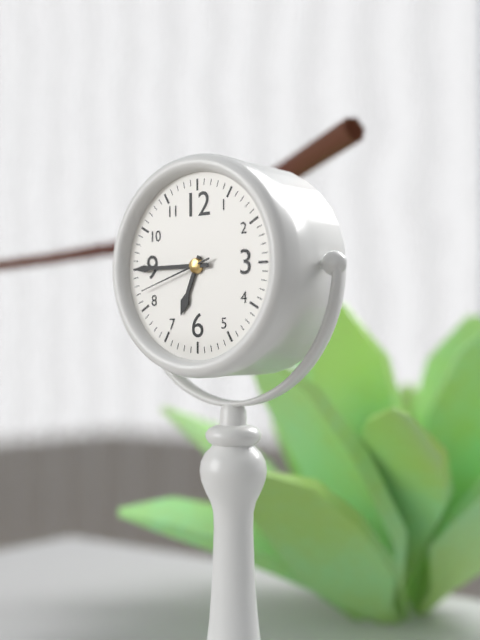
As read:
6,45,42
